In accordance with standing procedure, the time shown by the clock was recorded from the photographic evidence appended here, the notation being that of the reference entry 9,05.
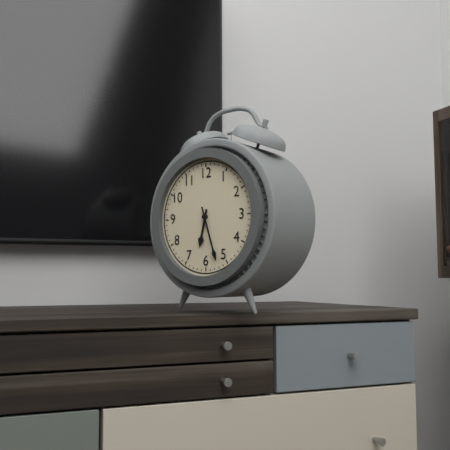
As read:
6,27
